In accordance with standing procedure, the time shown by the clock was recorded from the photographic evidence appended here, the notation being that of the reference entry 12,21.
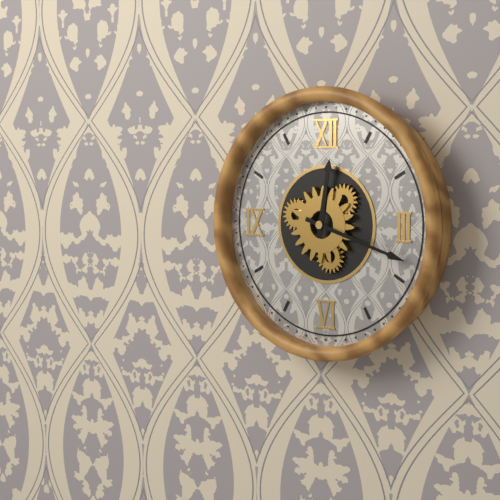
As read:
12,18
